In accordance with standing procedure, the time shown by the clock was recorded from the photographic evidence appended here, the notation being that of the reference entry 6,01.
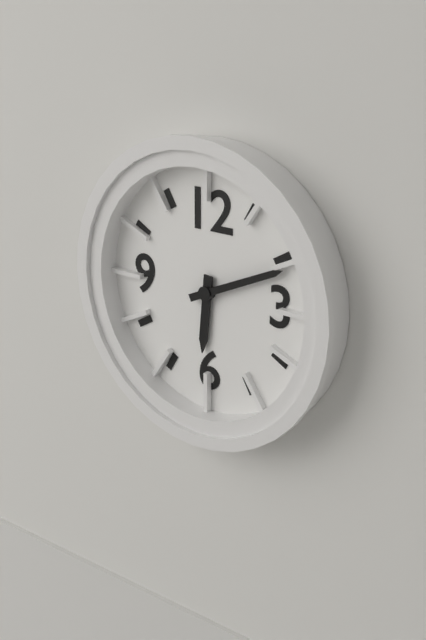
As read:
6,11
